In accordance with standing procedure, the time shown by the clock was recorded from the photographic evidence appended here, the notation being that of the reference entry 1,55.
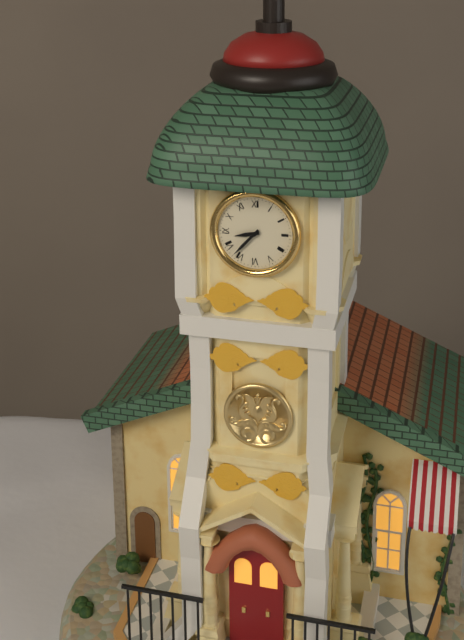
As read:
8,37
